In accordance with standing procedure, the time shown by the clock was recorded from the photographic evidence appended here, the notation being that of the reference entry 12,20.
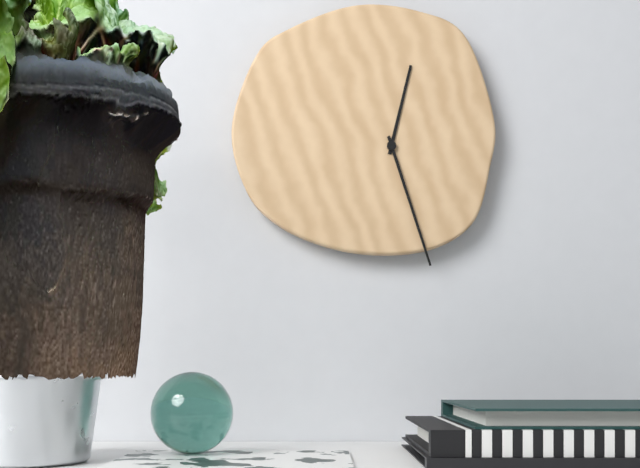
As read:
12,27
